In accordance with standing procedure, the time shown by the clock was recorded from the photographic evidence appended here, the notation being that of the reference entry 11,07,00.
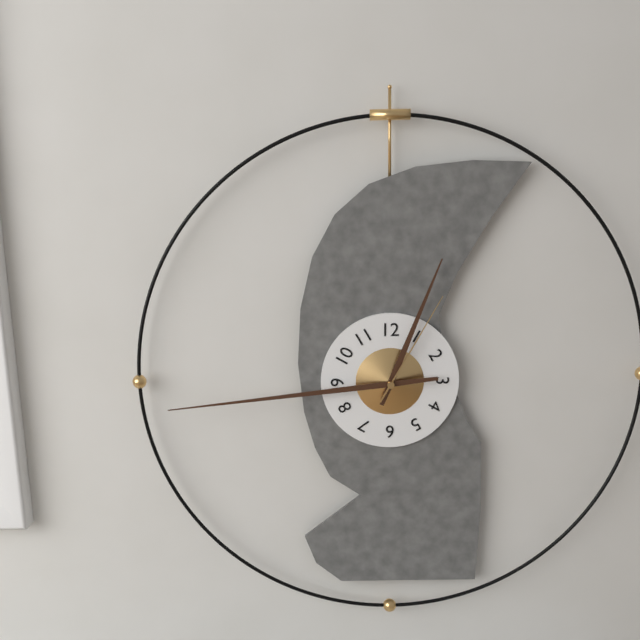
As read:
12,44,05
